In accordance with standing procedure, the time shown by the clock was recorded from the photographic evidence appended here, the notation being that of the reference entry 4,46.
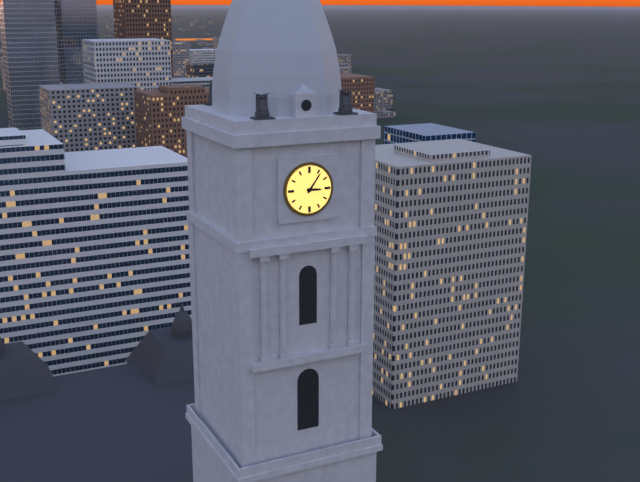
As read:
3,06
